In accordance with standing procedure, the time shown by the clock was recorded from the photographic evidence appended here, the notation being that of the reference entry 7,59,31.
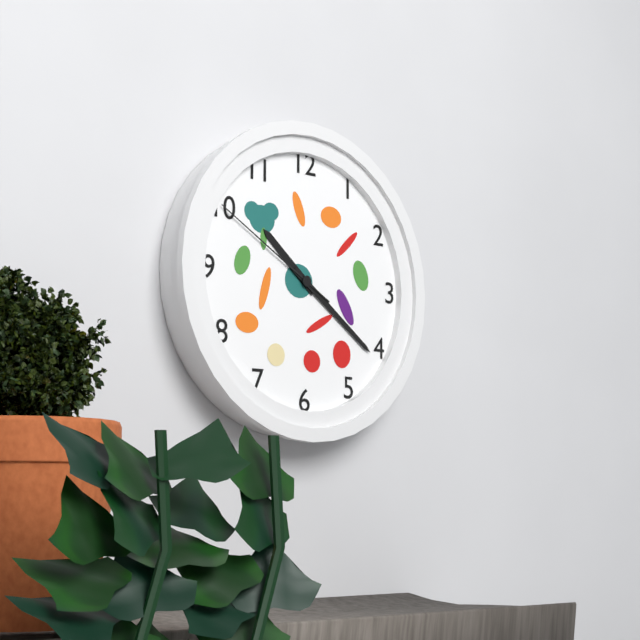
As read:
10,21,50
